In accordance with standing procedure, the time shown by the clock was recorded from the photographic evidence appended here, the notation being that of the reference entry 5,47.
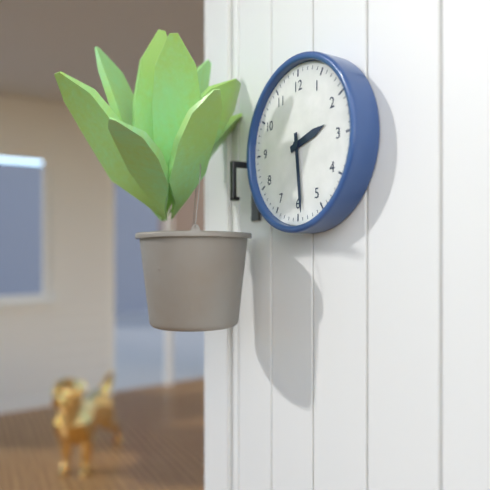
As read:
2,29
